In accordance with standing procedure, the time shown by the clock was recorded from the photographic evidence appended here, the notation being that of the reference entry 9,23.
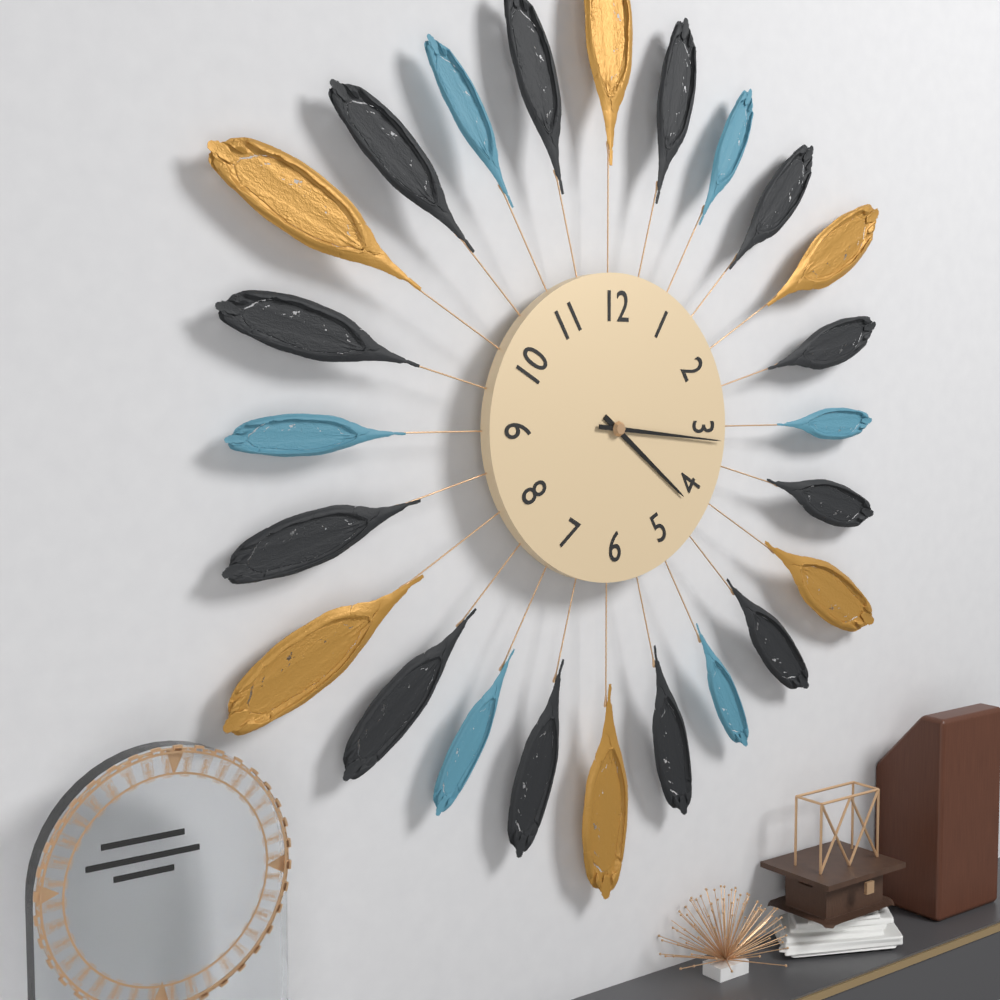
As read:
4,16
